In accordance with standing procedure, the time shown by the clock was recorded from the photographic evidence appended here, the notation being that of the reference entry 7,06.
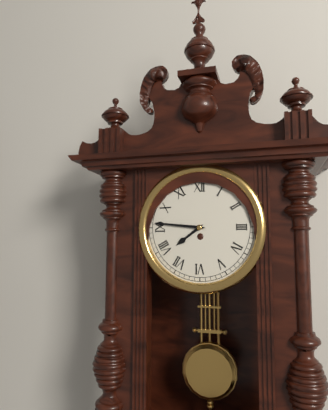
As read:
7,46
